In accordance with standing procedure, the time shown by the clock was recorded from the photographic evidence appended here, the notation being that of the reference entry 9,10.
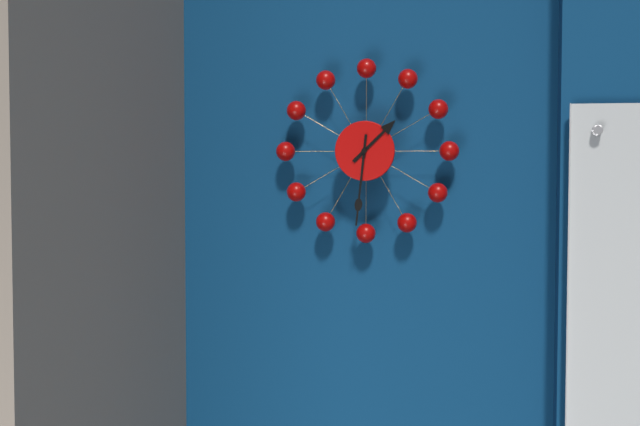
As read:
1,31
